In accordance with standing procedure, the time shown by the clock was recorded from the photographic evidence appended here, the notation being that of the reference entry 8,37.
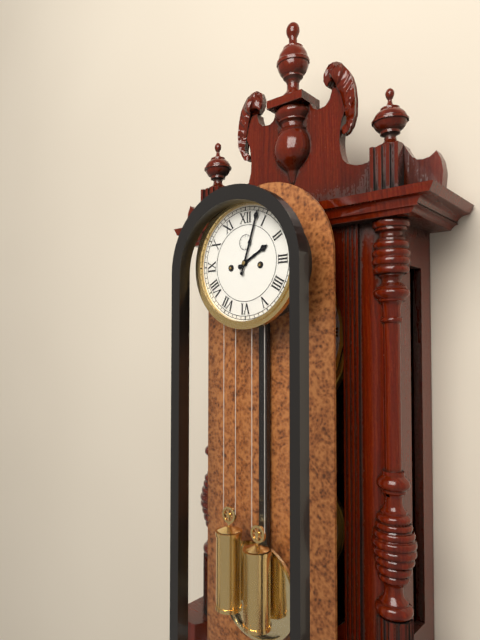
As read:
2,03
